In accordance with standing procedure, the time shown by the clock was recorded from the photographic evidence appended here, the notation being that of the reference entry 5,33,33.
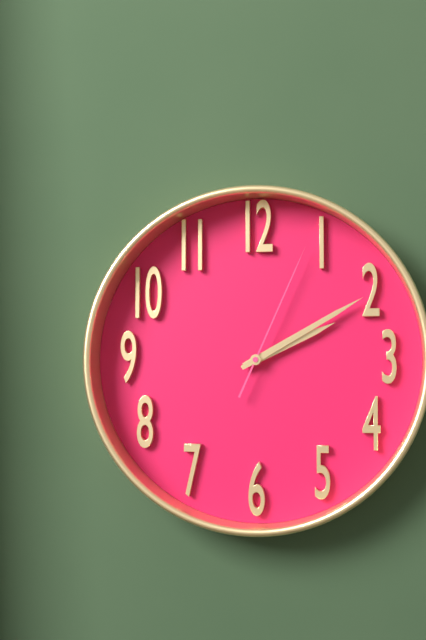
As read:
2,10,04
